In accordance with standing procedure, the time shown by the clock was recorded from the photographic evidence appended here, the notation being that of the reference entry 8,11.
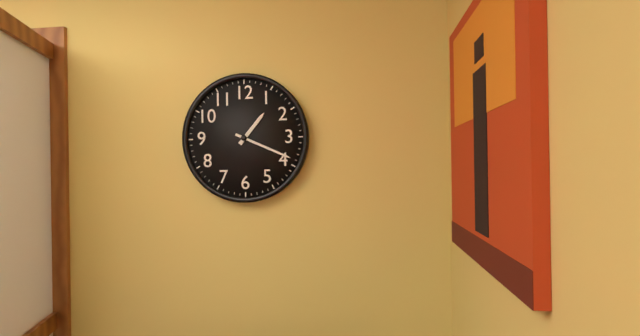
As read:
1,19
